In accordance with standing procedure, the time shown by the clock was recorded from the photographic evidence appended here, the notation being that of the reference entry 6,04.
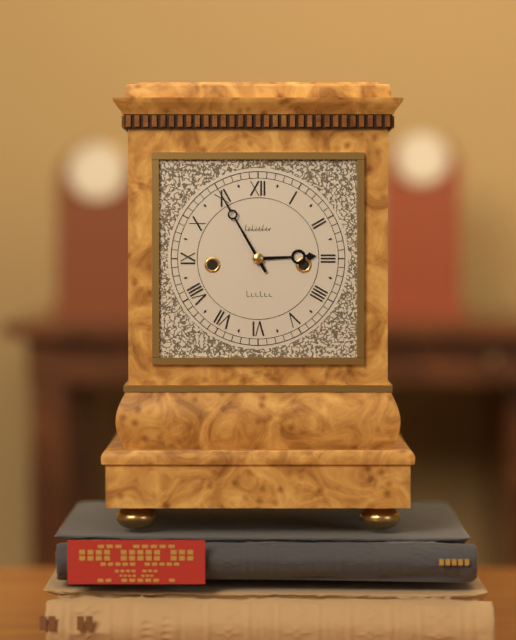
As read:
2,55
